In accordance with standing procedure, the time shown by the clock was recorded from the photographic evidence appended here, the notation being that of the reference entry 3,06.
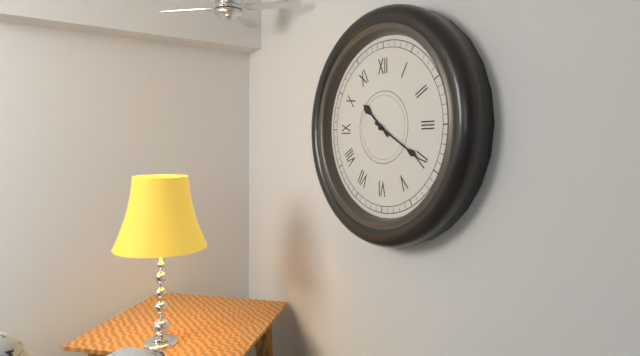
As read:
10,20
